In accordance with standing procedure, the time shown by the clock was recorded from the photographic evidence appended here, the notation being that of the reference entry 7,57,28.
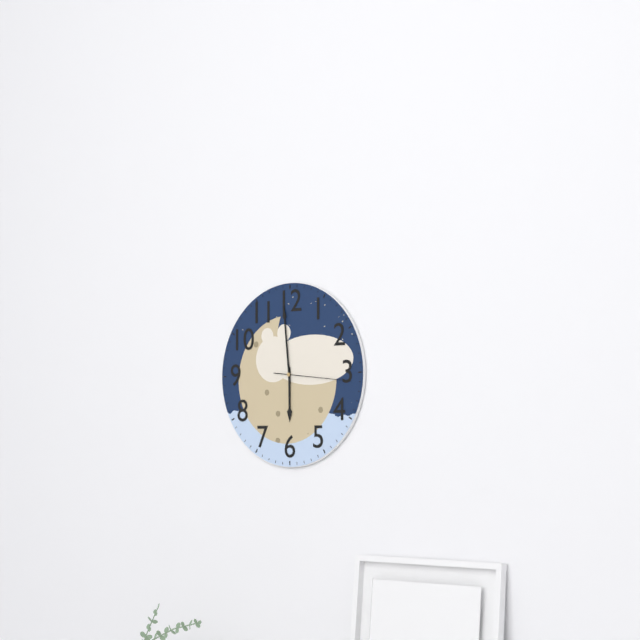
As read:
5,59,16
